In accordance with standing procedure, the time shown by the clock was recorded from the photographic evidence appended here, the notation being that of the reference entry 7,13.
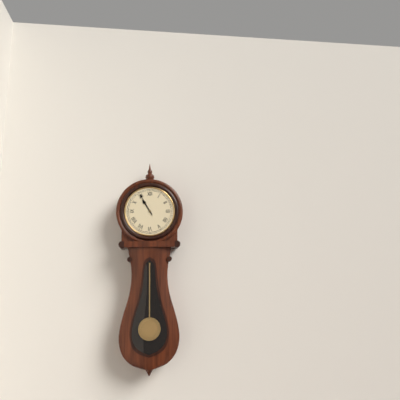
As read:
10,55
